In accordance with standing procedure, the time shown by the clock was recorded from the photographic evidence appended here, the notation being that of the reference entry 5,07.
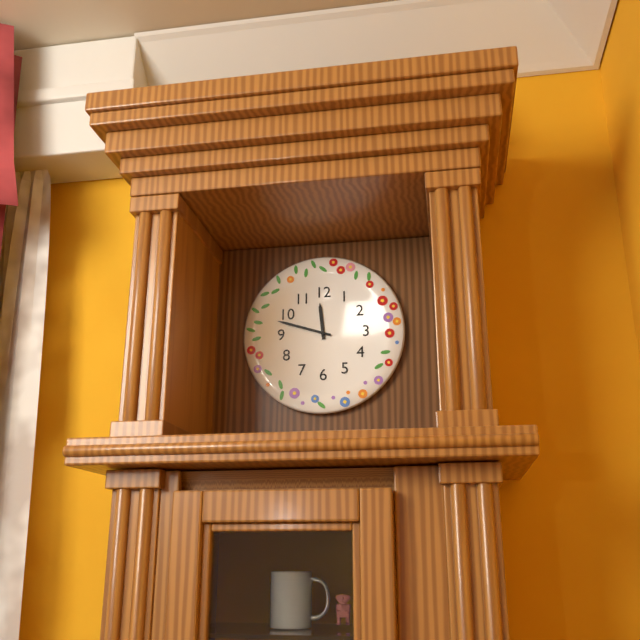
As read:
11,48
